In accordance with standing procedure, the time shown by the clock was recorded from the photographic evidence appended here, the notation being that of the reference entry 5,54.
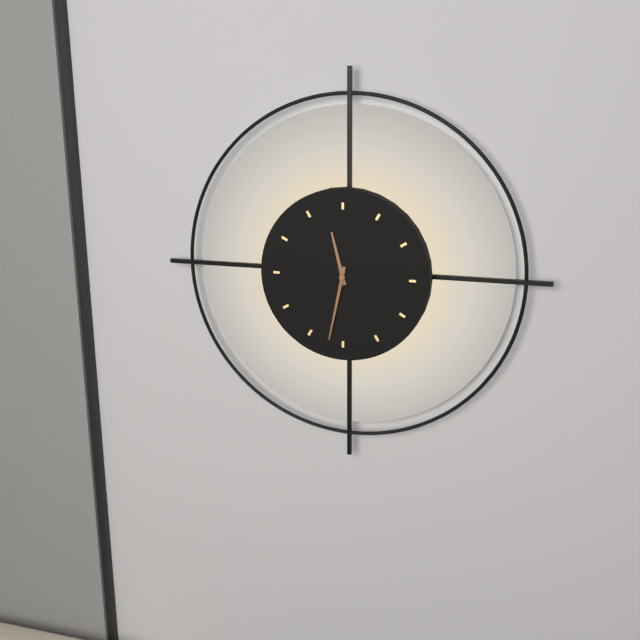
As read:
11,32
